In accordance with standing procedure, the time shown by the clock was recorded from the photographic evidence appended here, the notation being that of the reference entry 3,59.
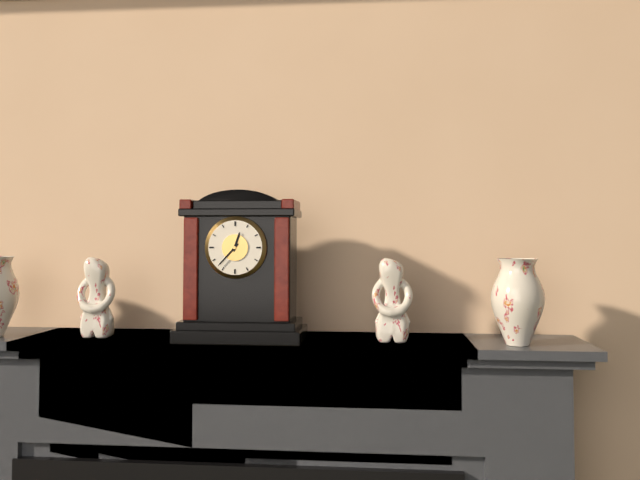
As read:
12,37
